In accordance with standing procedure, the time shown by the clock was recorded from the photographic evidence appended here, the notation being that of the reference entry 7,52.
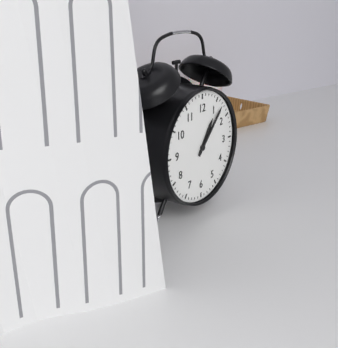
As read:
1,07
